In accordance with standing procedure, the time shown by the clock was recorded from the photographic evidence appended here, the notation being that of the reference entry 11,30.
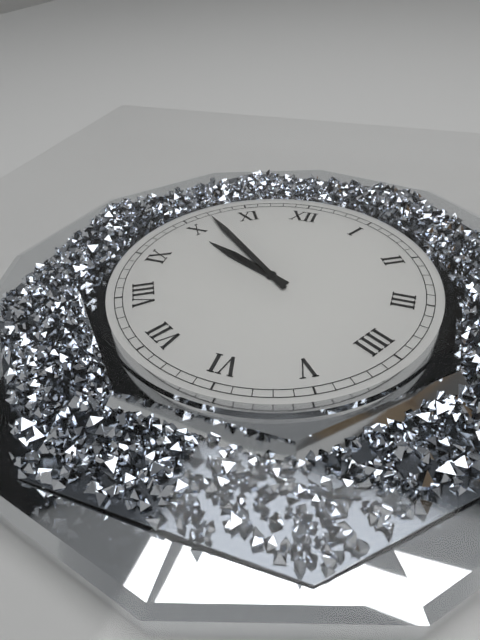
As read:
9,52
